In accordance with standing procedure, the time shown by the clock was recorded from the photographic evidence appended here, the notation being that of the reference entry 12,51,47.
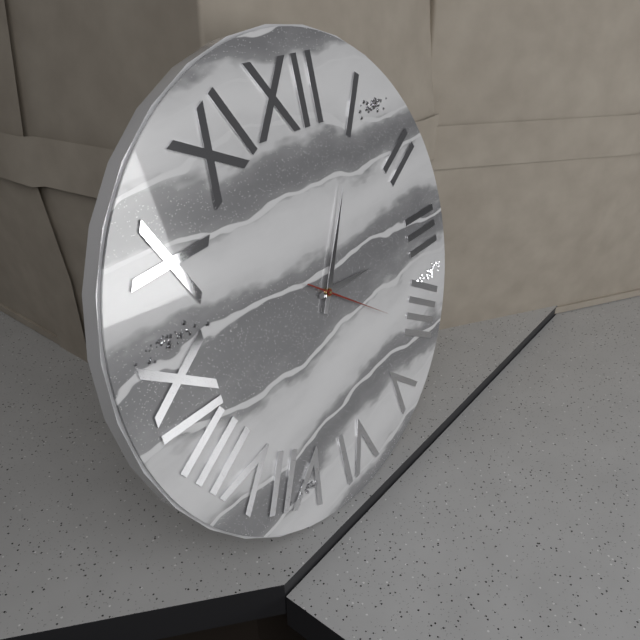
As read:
3,05,21
